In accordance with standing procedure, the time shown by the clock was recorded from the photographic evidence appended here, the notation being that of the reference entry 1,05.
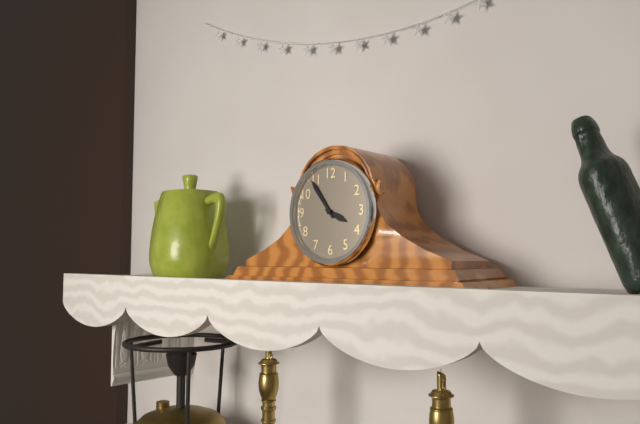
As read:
3,54
